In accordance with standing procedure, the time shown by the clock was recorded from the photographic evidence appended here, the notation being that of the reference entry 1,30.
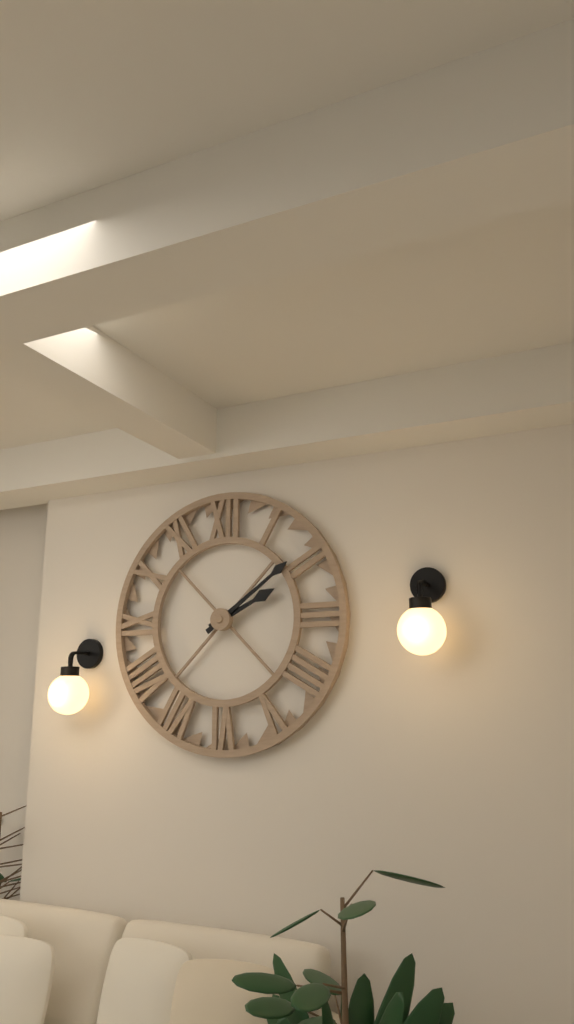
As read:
2,09
